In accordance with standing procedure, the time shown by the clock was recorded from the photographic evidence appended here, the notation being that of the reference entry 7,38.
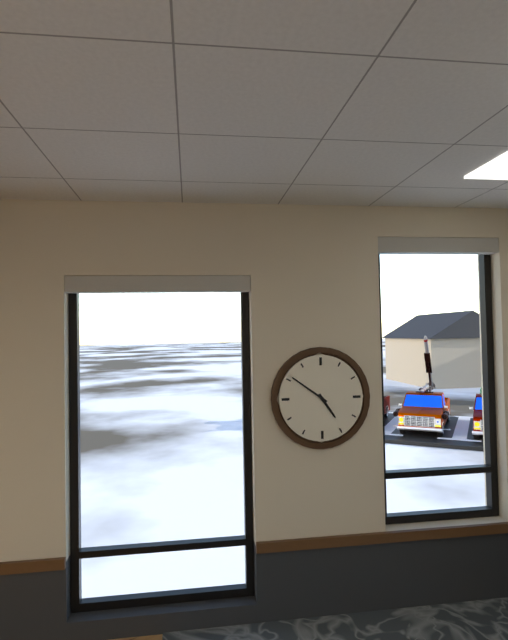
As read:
4,51
